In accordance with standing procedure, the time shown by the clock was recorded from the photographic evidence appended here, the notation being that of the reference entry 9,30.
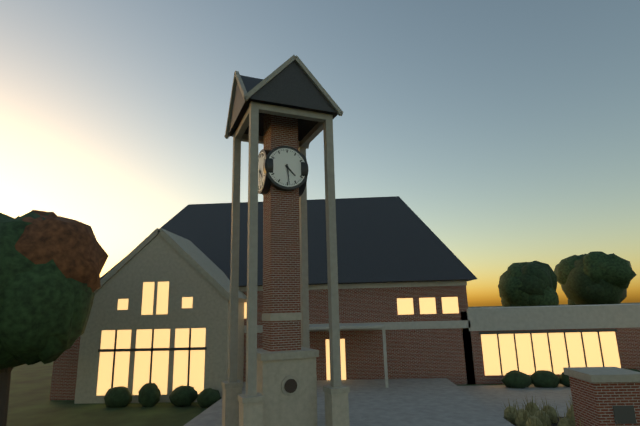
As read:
4,29
